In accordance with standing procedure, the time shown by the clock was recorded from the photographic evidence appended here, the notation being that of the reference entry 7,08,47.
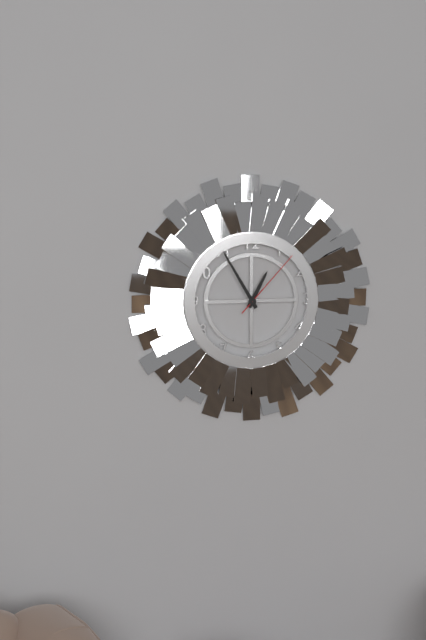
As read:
12,55,07
